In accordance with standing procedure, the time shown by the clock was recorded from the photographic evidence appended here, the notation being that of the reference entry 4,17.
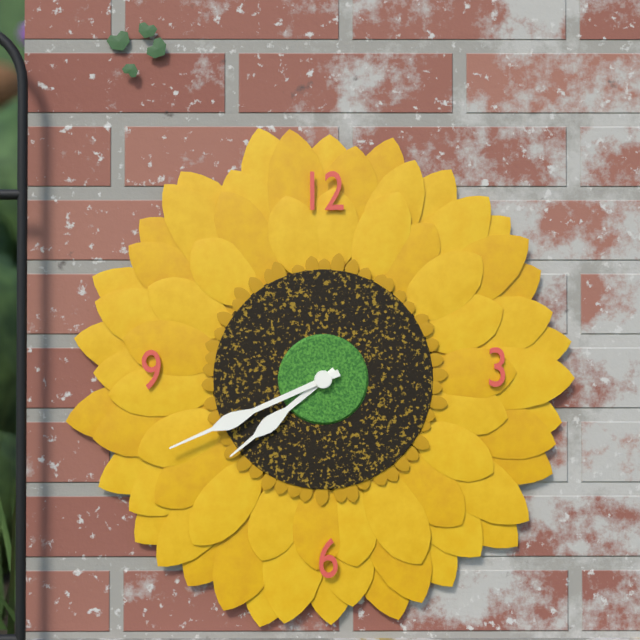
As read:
7,41
